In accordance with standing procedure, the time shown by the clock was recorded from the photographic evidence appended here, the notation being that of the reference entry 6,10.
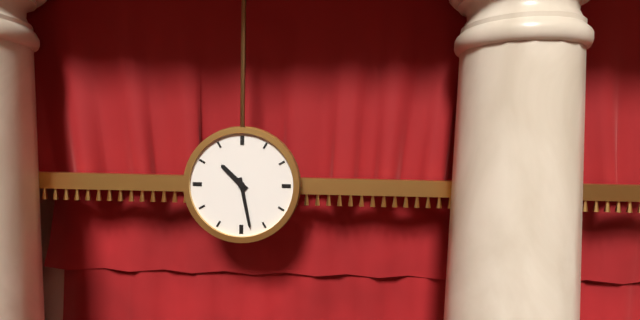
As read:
10,28
